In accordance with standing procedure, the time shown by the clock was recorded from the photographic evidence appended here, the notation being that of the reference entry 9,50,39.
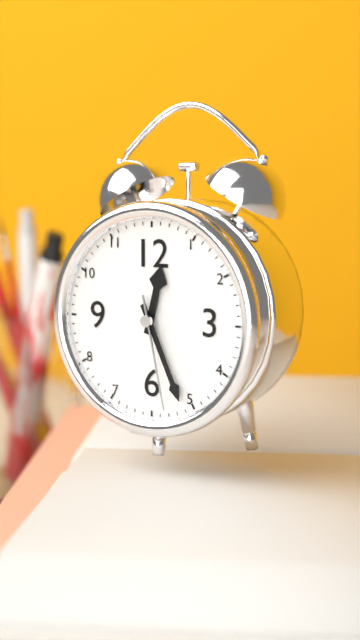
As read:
12,26,28
